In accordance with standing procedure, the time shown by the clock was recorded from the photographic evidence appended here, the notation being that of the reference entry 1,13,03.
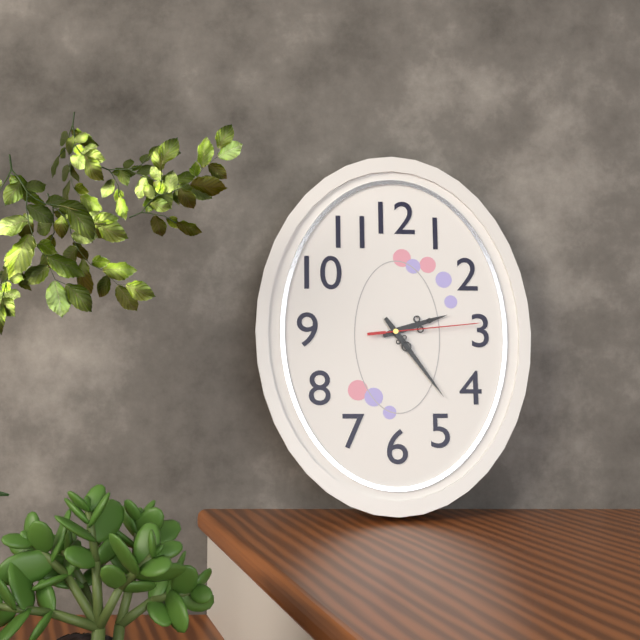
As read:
2,24,14
